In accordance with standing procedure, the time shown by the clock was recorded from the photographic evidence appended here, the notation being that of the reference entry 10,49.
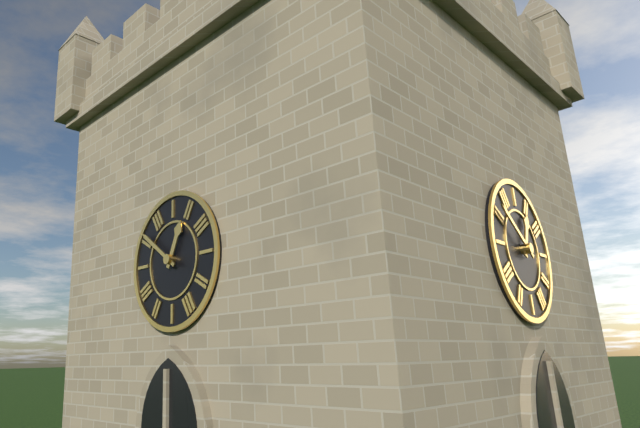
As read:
12,51
